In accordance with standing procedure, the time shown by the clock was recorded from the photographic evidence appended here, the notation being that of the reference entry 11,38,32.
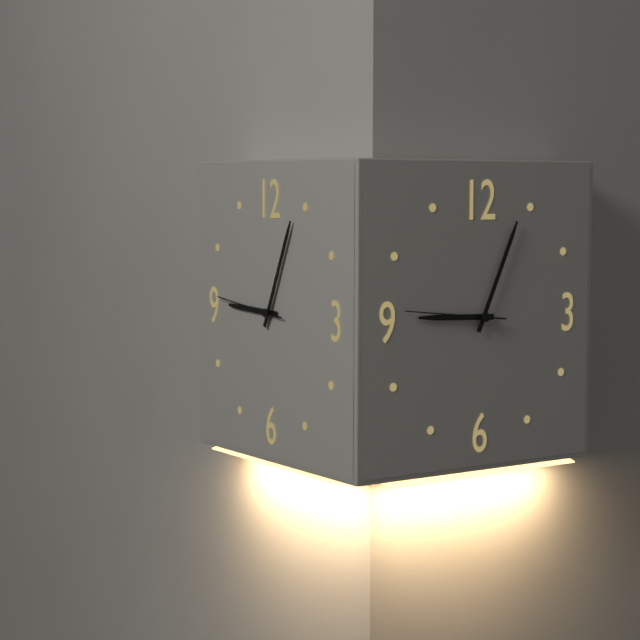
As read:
9,04,46
